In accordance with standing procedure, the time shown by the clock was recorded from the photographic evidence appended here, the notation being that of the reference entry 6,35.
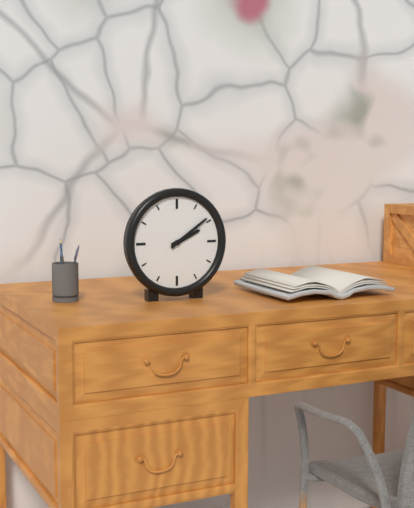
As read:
2,09
